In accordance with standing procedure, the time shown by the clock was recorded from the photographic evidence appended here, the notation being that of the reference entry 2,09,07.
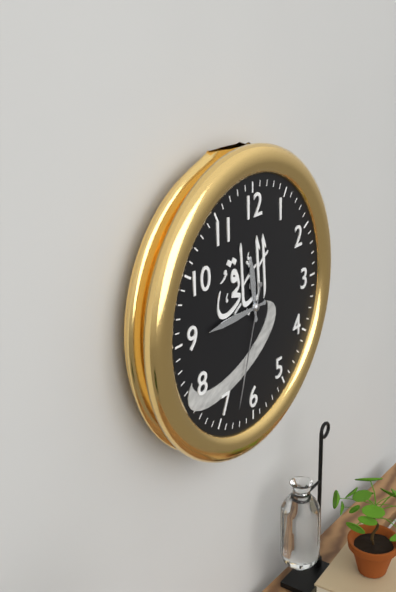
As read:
11,45,33
